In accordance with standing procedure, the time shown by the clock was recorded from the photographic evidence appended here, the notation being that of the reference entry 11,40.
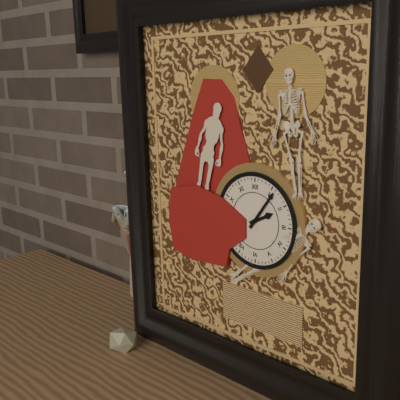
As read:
2,06
